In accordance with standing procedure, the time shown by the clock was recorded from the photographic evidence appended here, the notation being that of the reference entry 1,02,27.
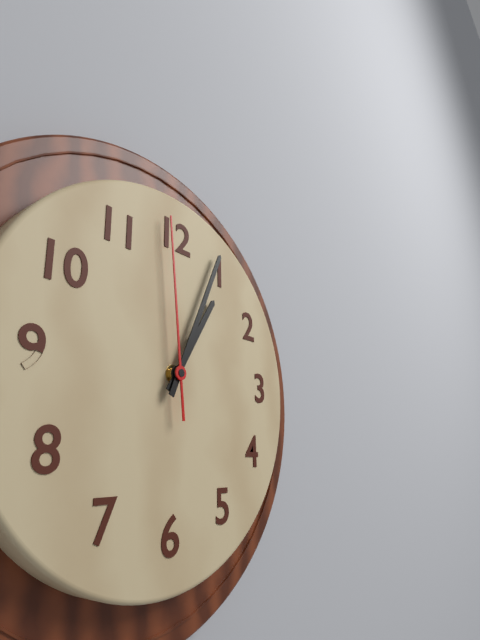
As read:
1,04,59
